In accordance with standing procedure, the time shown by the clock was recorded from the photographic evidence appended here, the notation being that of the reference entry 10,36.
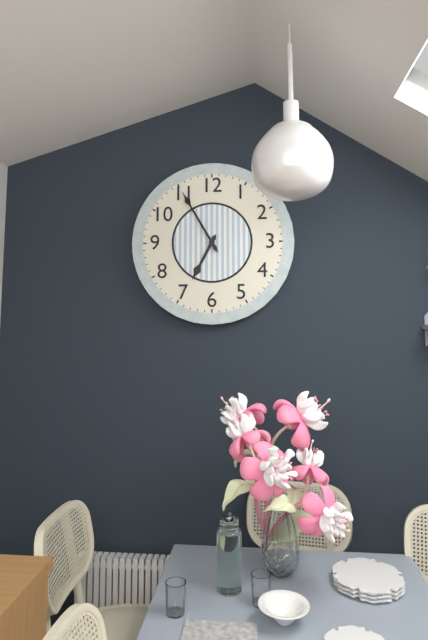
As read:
6,55
